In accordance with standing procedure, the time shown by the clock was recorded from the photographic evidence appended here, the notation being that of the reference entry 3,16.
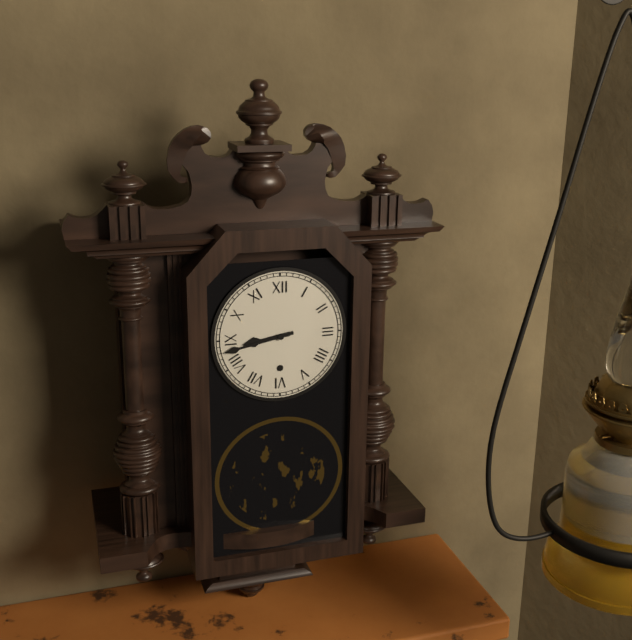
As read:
8,43
